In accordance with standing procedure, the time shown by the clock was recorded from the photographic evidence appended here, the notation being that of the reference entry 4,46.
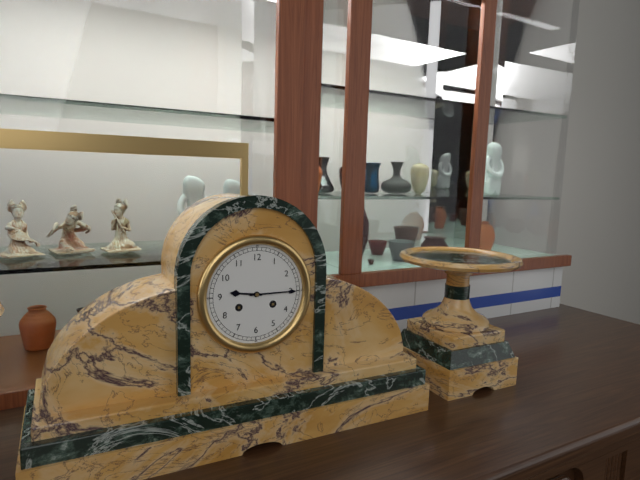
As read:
9,15
